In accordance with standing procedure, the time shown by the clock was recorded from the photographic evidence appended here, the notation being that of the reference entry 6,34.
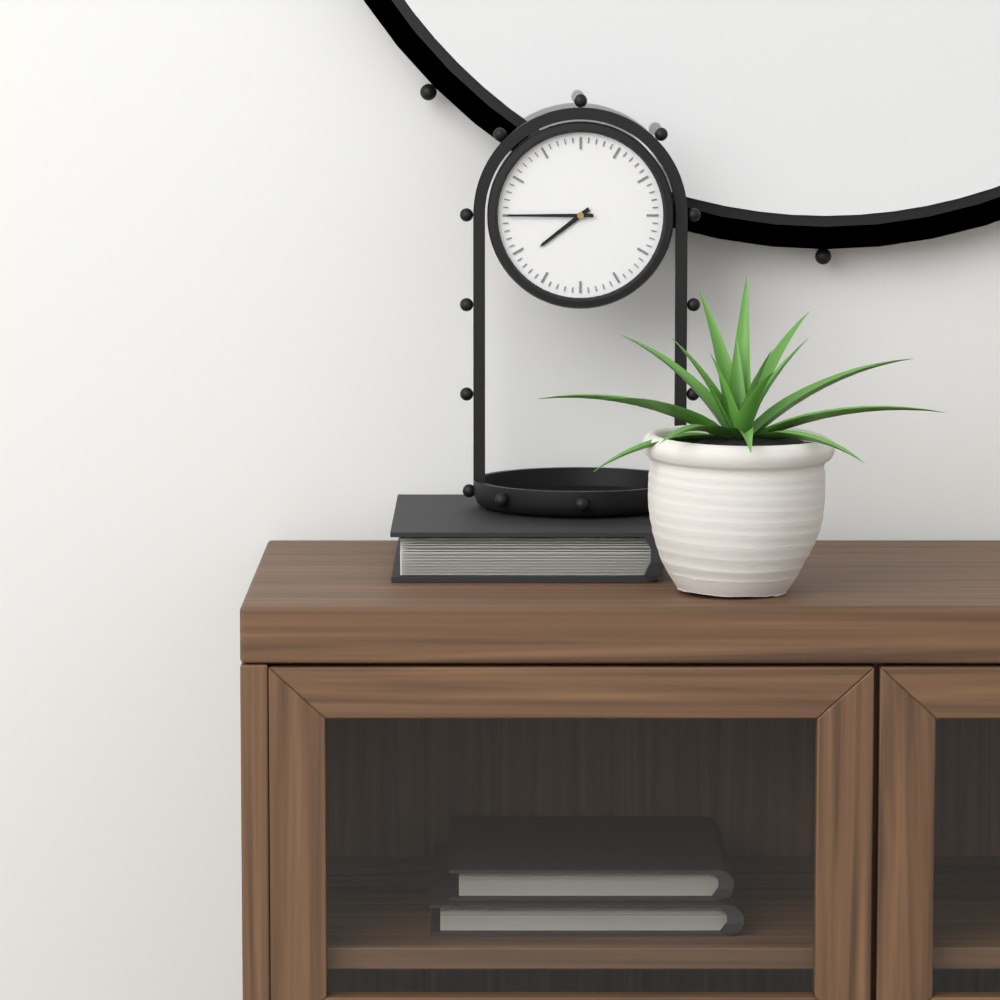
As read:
7,45
